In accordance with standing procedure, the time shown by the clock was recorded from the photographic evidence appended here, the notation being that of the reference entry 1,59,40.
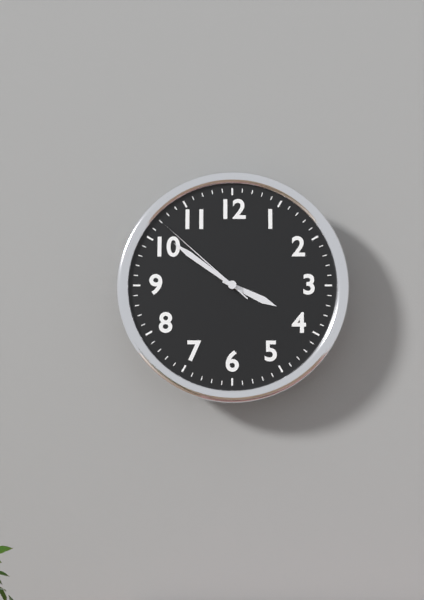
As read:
3,51,52
